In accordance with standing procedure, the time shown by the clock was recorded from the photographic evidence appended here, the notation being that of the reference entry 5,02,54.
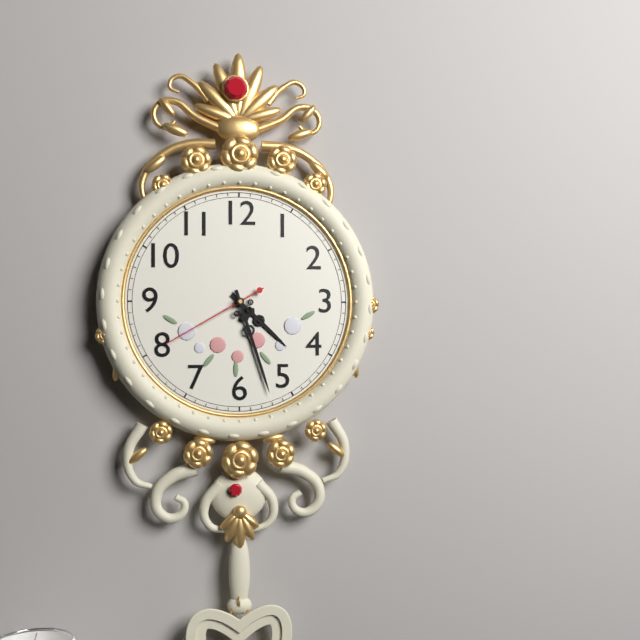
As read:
4,27,40
